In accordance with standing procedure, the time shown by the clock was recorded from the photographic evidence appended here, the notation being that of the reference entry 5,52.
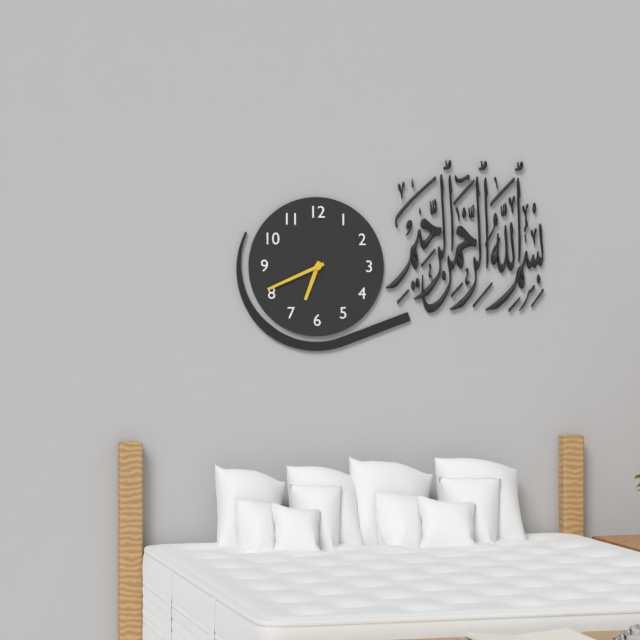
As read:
6,41
